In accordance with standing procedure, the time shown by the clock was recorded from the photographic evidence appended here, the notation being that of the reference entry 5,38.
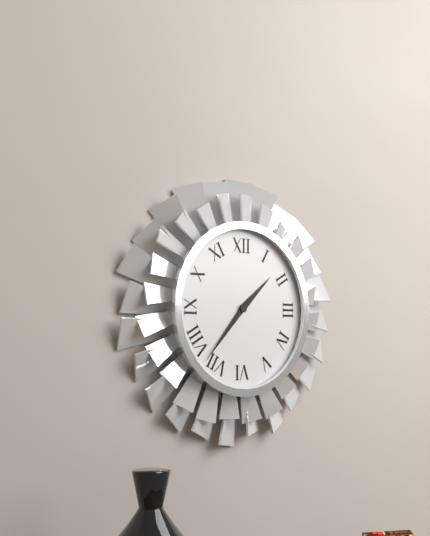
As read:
1,37
